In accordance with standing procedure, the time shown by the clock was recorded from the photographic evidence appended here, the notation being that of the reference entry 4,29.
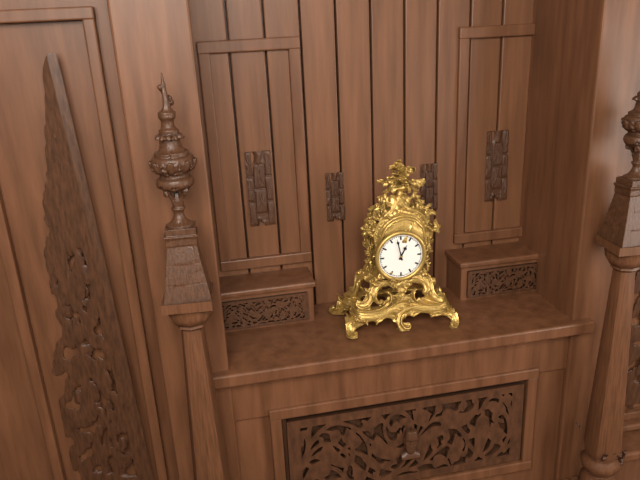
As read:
12,58
